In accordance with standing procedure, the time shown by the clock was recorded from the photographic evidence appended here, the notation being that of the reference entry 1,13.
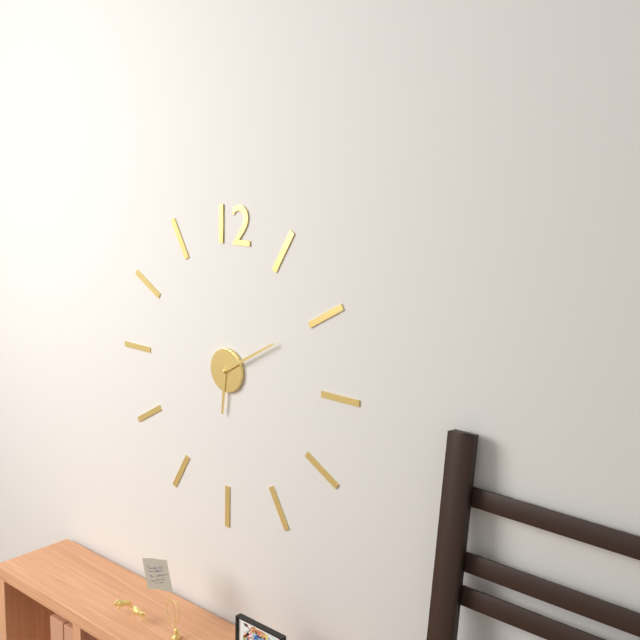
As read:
6,10
